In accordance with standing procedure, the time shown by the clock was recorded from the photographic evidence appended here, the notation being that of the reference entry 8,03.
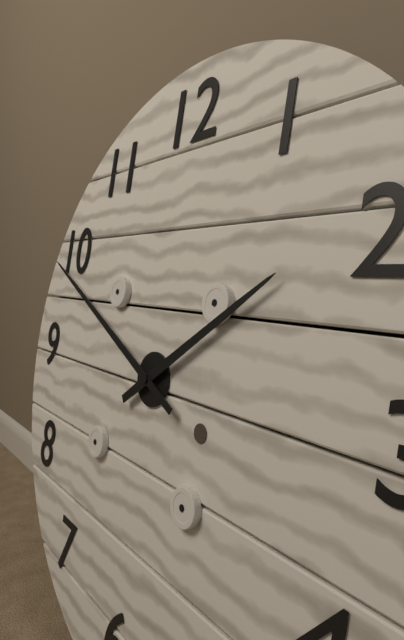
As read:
1,49
